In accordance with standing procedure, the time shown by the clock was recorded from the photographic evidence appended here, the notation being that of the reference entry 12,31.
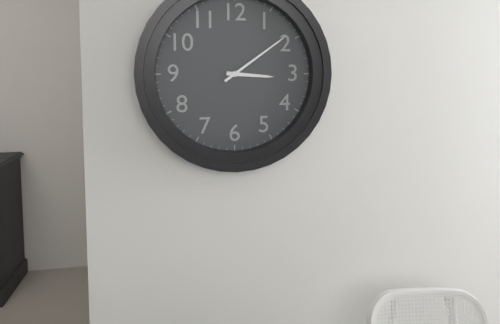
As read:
3,09
